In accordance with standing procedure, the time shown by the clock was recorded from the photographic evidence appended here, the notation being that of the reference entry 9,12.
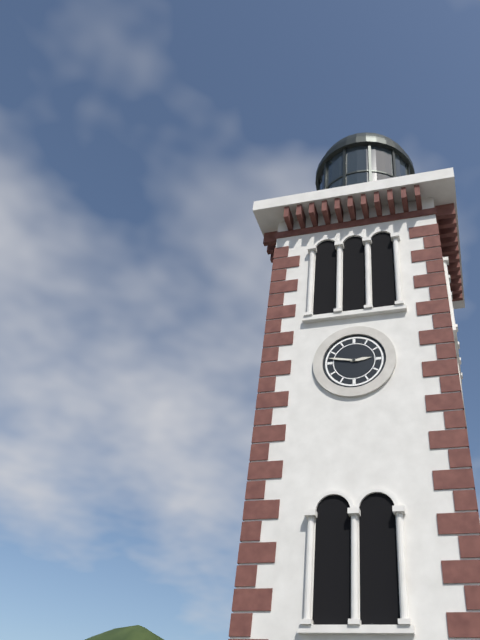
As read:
2,47
